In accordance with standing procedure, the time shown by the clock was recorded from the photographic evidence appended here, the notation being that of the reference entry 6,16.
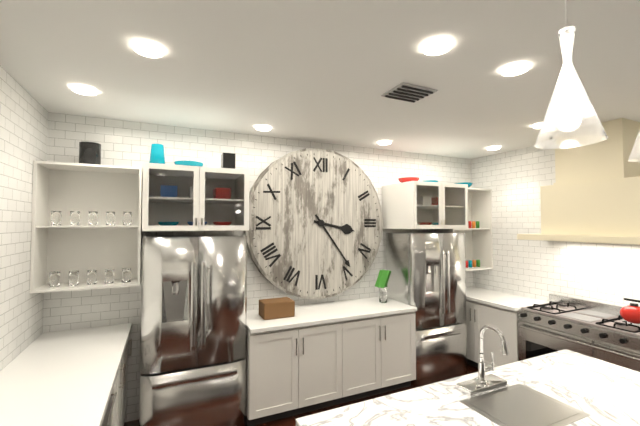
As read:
3,24
